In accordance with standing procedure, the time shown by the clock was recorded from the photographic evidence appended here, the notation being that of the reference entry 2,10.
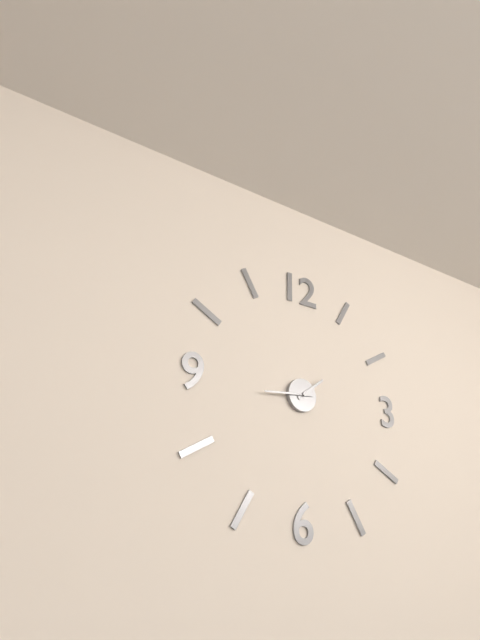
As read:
1,44
